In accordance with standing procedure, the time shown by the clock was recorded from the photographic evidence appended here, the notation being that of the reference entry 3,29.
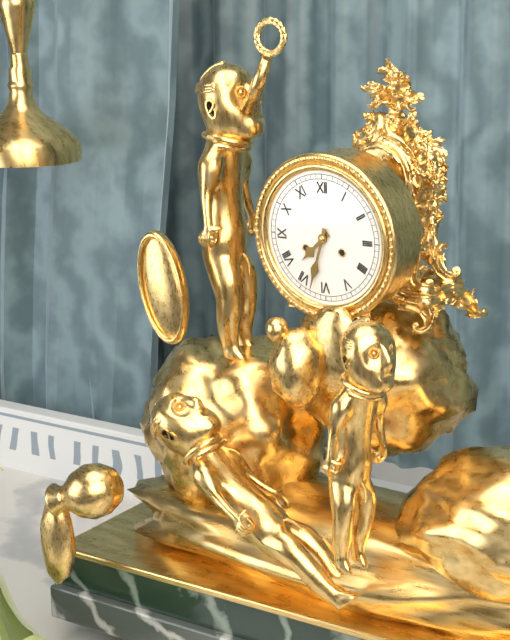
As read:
7,33
